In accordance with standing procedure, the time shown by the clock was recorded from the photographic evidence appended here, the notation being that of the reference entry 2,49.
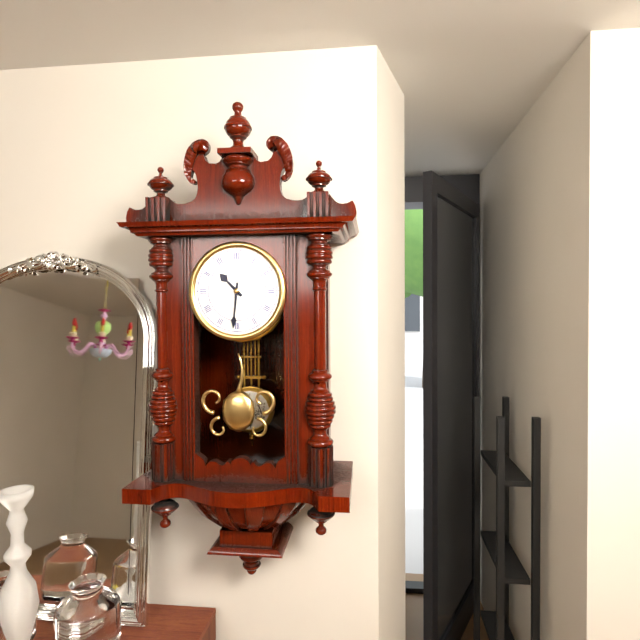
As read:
10,31
